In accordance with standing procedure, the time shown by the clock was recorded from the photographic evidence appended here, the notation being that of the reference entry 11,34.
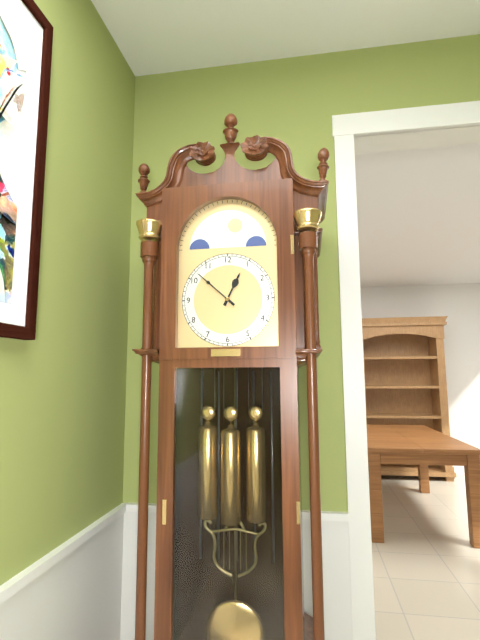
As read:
12,52
